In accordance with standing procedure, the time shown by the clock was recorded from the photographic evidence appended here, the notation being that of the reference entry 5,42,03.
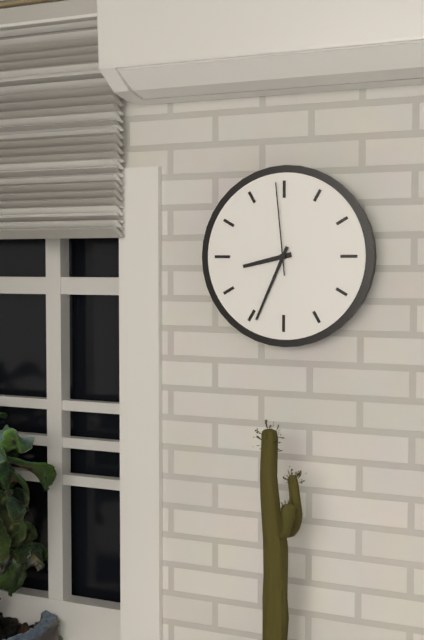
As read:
8,34,59
